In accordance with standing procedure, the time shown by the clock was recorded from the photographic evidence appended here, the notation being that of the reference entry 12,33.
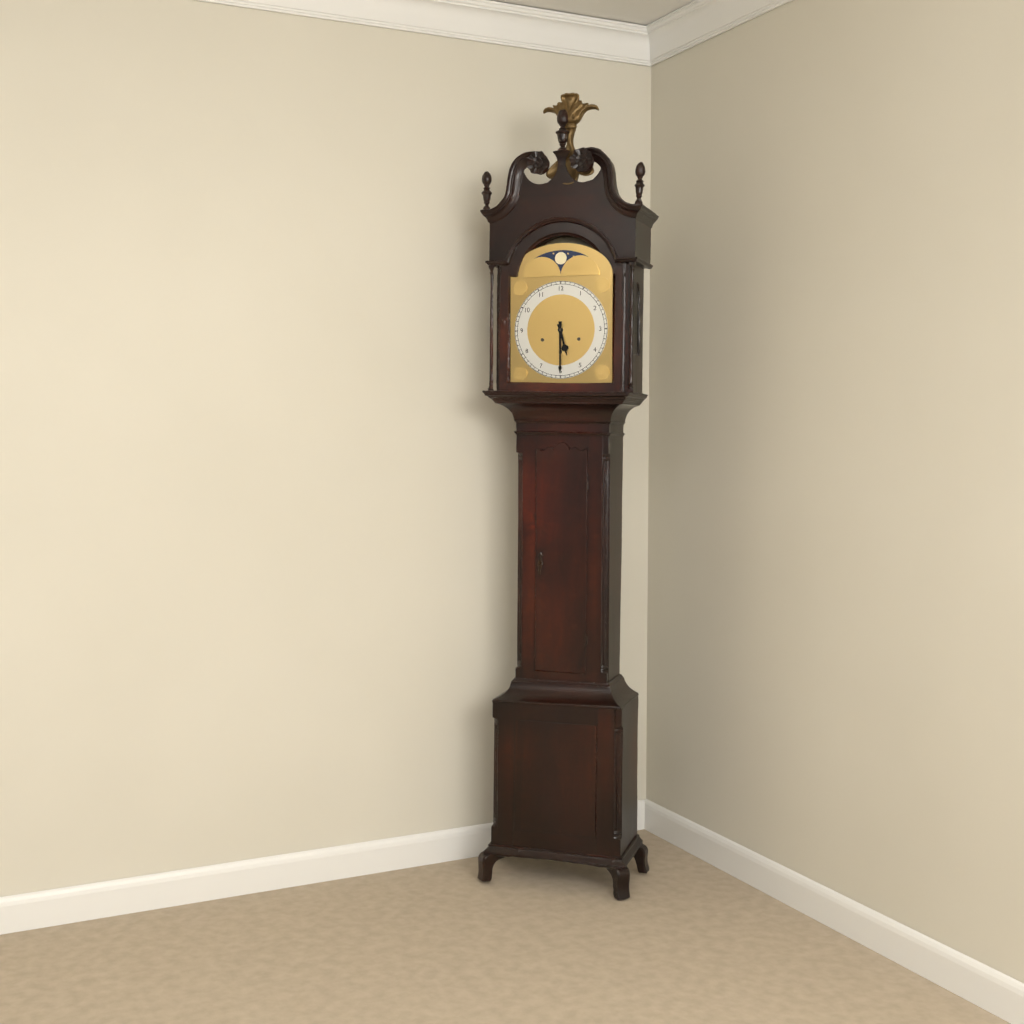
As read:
5,30
